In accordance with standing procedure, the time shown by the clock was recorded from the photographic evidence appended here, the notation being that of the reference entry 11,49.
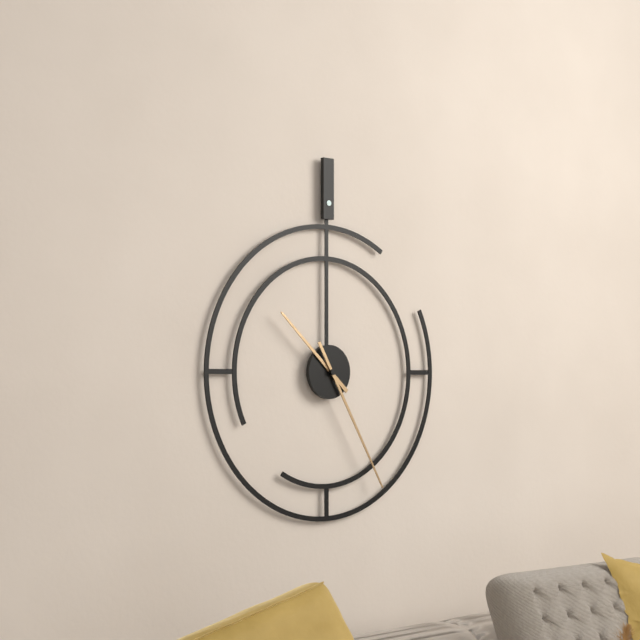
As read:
10,25
